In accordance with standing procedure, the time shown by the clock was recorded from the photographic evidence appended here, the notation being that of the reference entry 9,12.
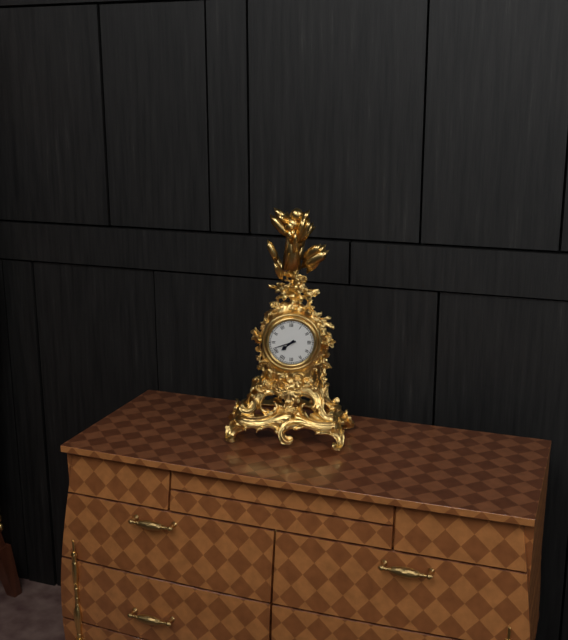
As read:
7,42
